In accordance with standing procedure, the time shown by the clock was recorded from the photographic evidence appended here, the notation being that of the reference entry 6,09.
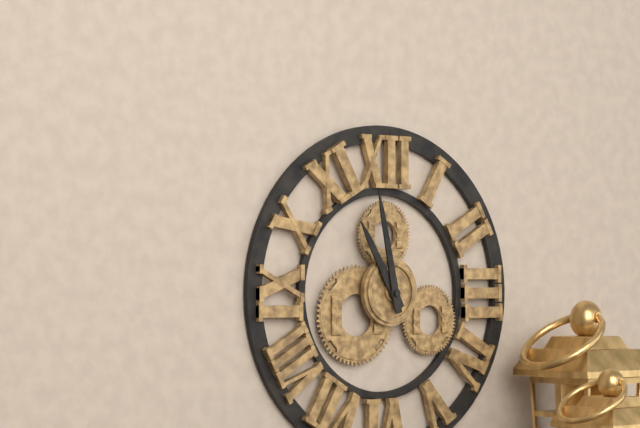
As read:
10,58
